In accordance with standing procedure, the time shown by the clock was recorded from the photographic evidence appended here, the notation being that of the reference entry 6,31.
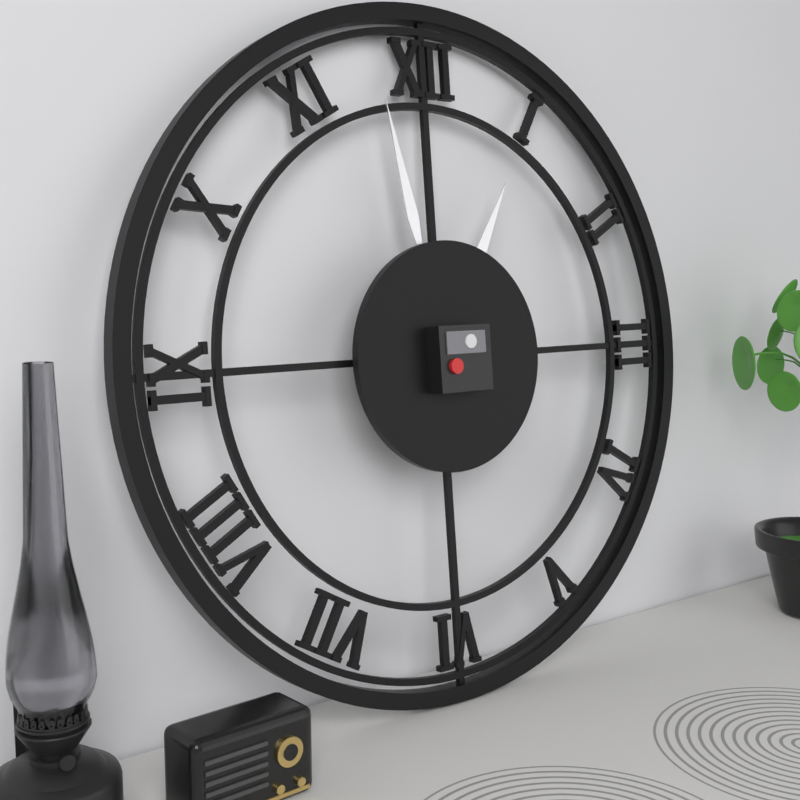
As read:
12,58
